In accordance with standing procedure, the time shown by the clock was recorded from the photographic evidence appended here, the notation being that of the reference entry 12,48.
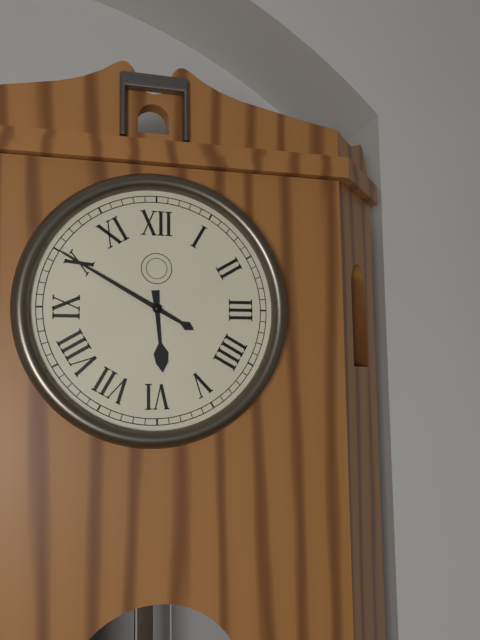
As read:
5,50
